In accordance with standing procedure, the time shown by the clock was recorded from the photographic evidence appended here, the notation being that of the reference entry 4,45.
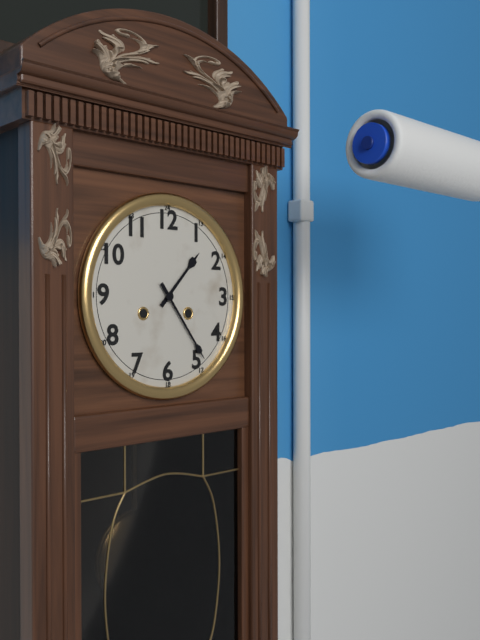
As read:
1,24
